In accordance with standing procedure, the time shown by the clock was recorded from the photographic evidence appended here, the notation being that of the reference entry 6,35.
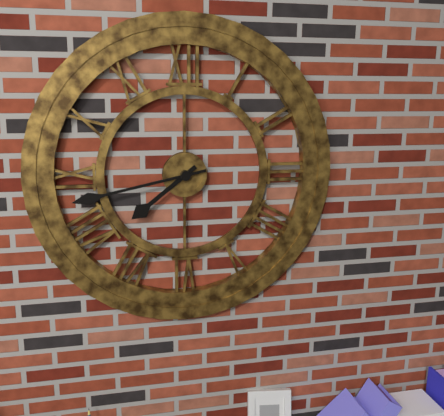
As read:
7,43
